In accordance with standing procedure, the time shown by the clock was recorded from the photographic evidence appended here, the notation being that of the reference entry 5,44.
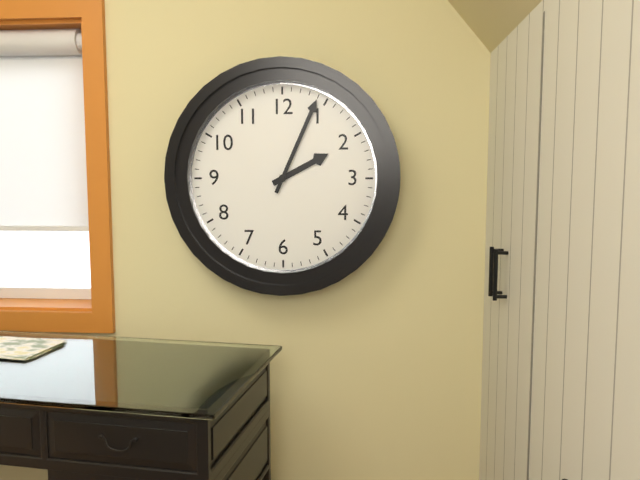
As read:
2,04
